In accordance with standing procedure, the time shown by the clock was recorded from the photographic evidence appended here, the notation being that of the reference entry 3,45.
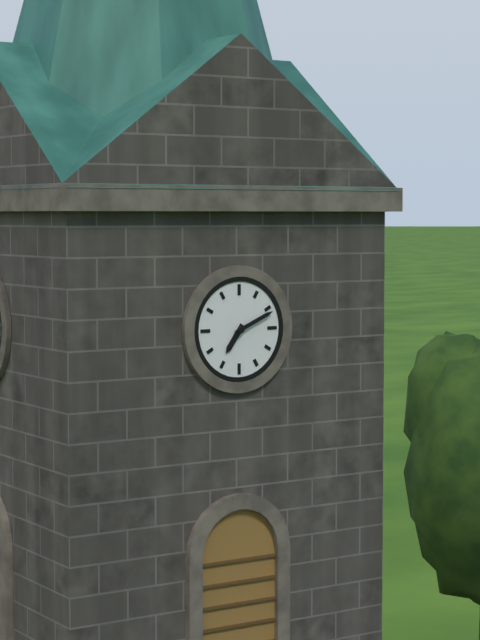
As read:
7,11
